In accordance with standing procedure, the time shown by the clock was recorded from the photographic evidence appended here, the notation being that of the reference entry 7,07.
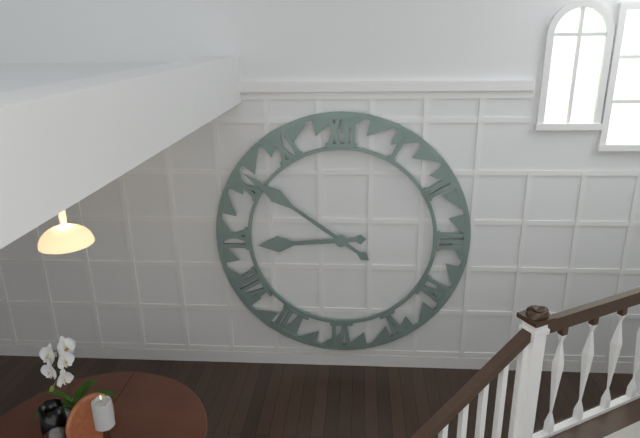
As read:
8,51
